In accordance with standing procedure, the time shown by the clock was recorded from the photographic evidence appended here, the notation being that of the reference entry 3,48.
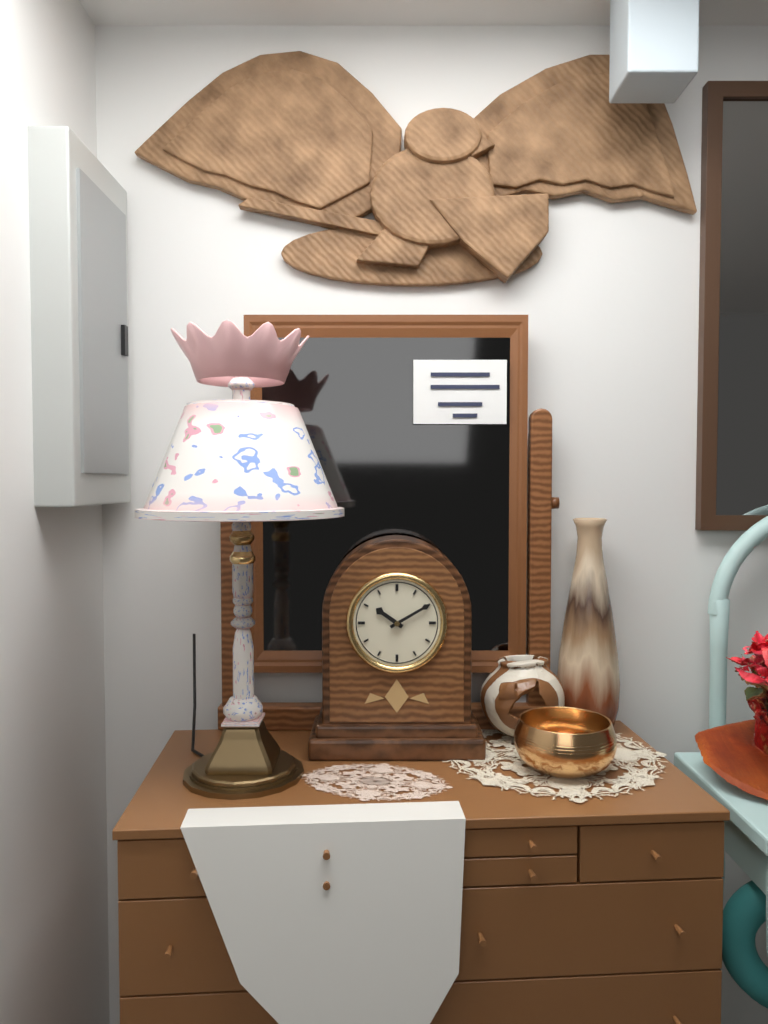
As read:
10,10
